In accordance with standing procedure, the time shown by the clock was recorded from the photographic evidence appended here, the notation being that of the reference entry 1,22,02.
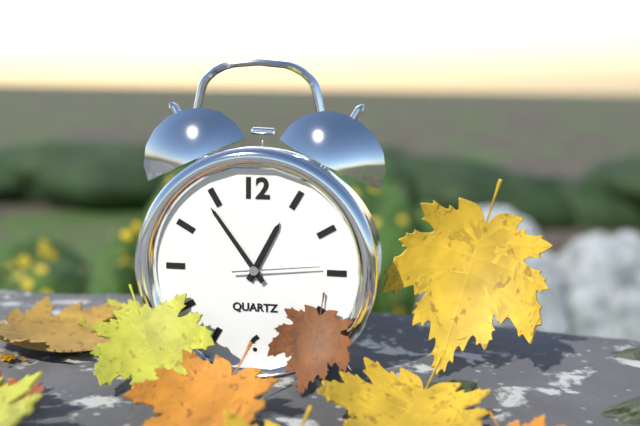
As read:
12,54,14
